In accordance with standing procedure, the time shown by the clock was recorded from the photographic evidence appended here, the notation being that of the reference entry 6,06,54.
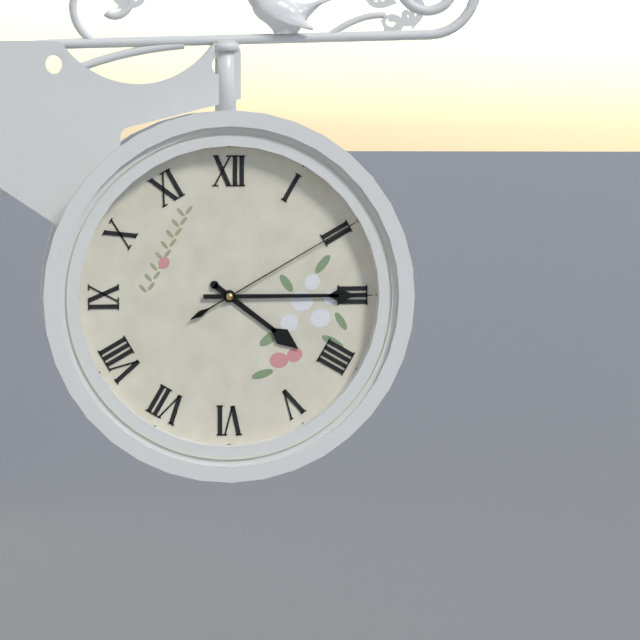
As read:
4,15,10
